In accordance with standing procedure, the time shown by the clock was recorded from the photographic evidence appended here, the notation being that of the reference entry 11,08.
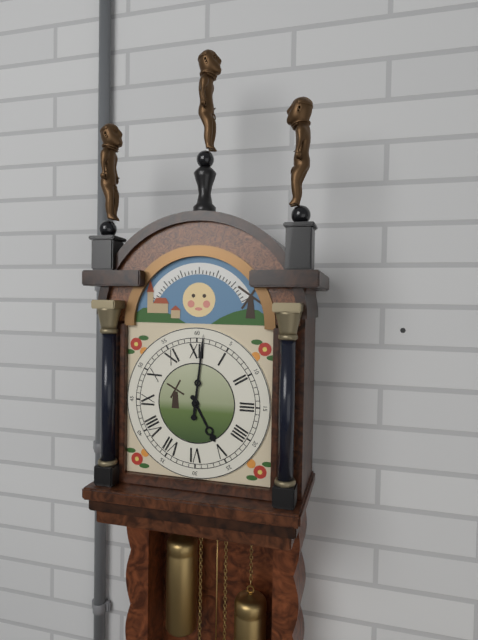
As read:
5,01
